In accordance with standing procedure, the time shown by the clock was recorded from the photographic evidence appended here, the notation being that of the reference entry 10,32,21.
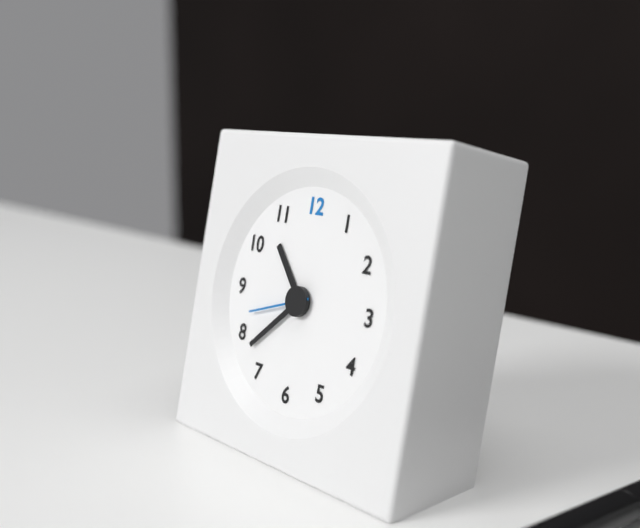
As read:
10,38,42
